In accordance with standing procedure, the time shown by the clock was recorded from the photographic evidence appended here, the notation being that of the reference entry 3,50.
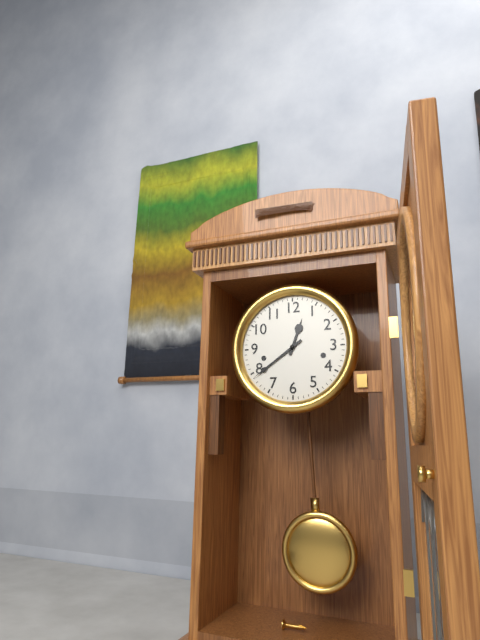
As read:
12,39
